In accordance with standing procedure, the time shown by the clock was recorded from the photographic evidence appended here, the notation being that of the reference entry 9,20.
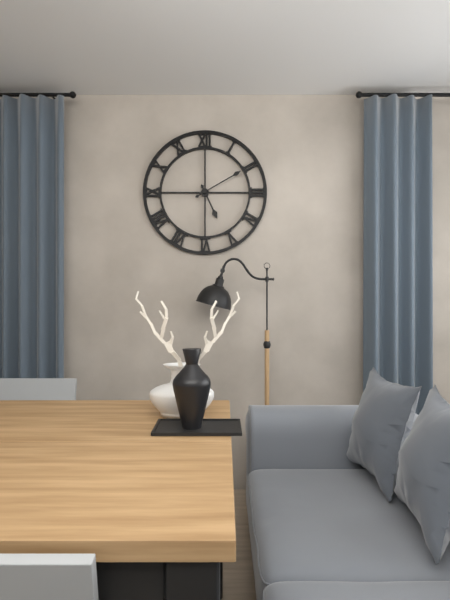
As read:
5,10
